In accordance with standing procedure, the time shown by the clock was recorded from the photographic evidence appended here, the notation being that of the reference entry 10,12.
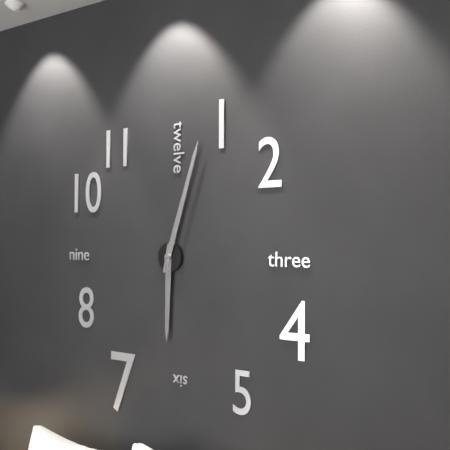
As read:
6,03
